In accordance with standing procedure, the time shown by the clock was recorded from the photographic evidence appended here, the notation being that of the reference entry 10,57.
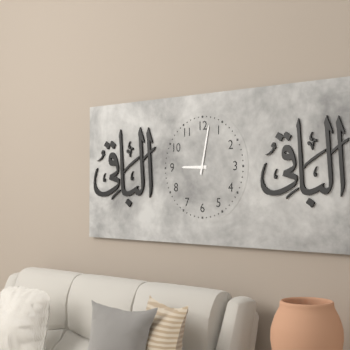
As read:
9,02
